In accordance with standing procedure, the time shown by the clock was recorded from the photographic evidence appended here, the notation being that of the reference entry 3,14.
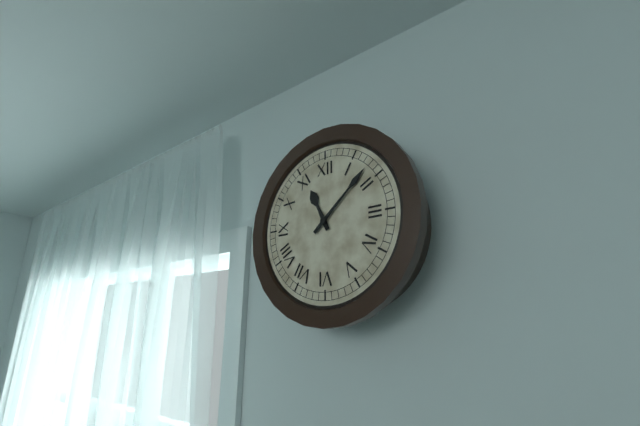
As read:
11,08
